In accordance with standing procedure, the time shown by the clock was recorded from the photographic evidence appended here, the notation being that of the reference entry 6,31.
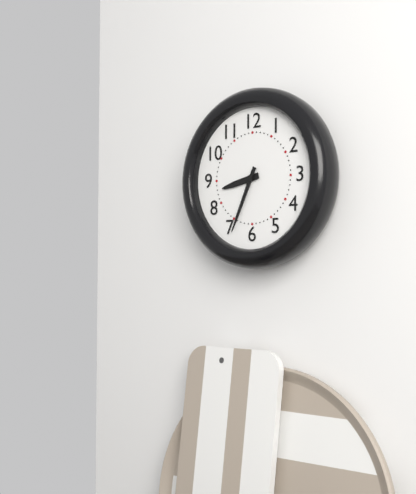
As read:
8,34
